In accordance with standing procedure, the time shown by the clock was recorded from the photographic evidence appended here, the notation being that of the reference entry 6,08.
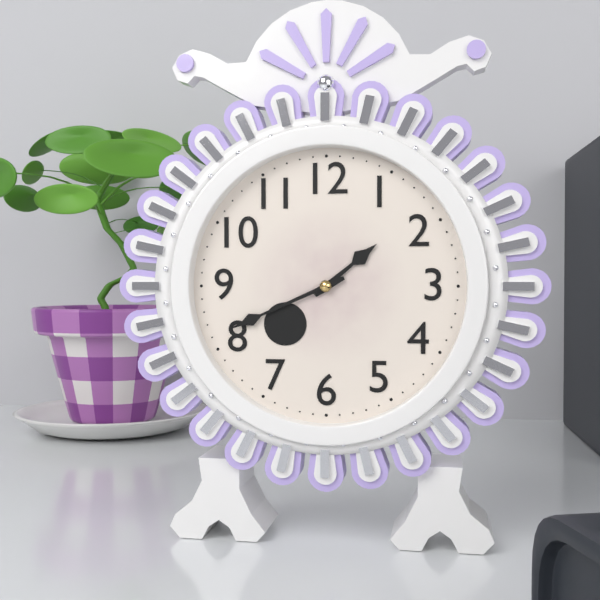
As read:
1,41
